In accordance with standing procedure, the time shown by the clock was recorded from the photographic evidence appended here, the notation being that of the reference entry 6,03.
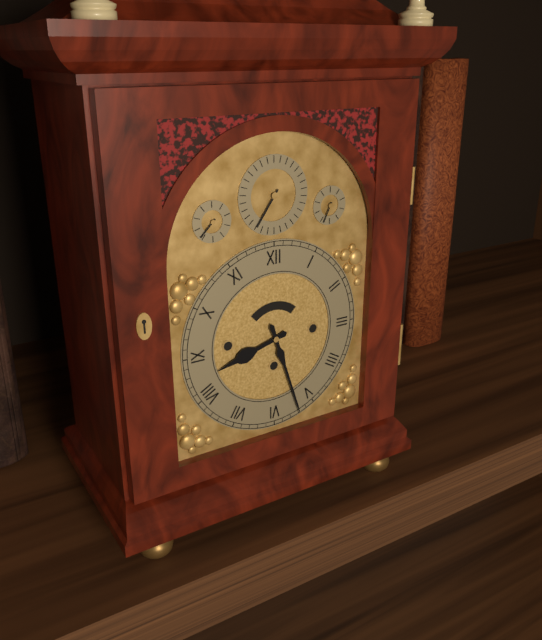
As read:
8,27
